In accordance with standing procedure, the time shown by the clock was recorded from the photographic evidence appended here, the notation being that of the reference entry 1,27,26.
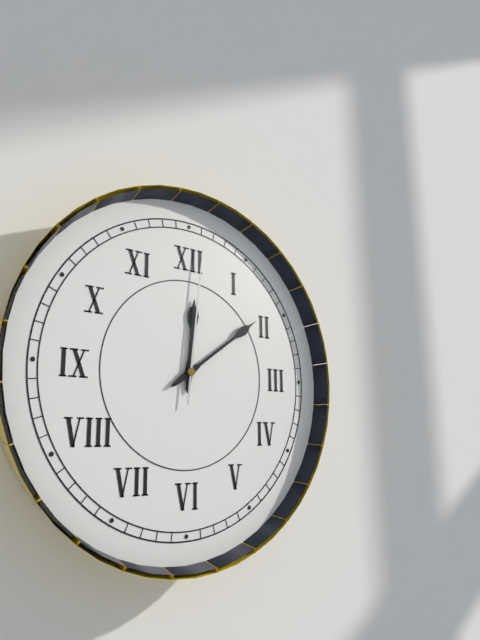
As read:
12,09,01
